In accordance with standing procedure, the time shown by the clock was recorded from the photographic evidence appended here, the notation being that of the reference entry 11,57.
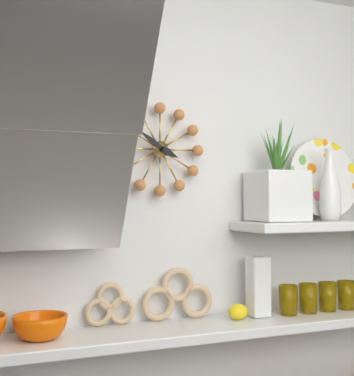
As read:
3,51
